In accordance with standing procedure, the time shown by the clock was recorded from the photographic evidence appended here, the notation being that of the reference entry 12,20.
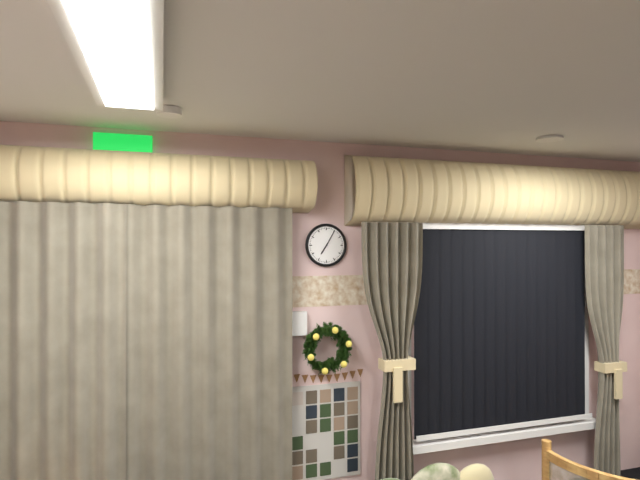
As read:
7,05
